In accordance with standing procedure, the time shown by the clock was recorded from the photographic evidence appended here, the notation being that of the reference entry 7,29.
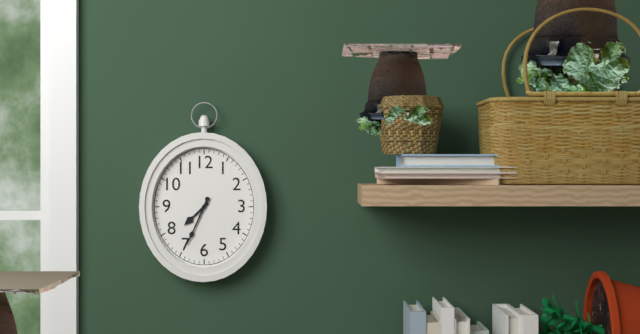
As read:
7,34
